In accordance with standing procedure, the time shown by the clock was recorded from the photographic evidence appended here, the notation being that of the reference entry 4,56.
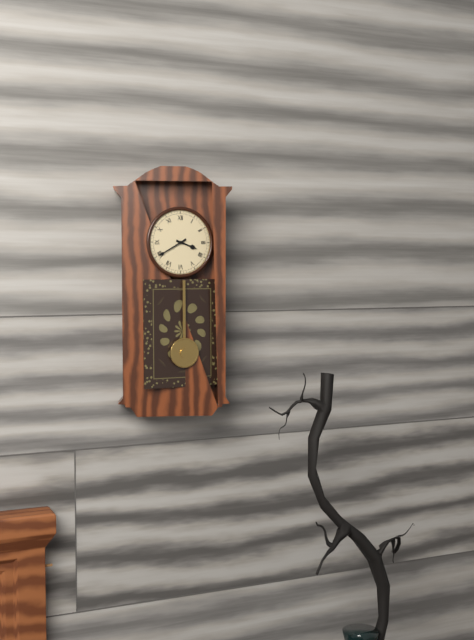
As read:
3,40
